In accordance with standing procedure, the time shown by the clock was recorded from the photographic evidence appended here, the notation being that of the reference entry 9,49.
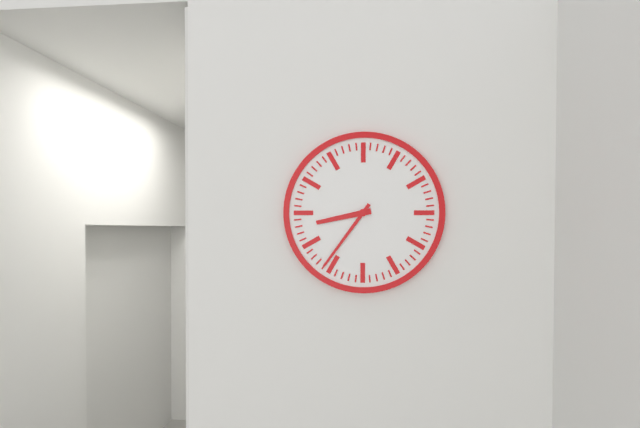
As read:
8,36
